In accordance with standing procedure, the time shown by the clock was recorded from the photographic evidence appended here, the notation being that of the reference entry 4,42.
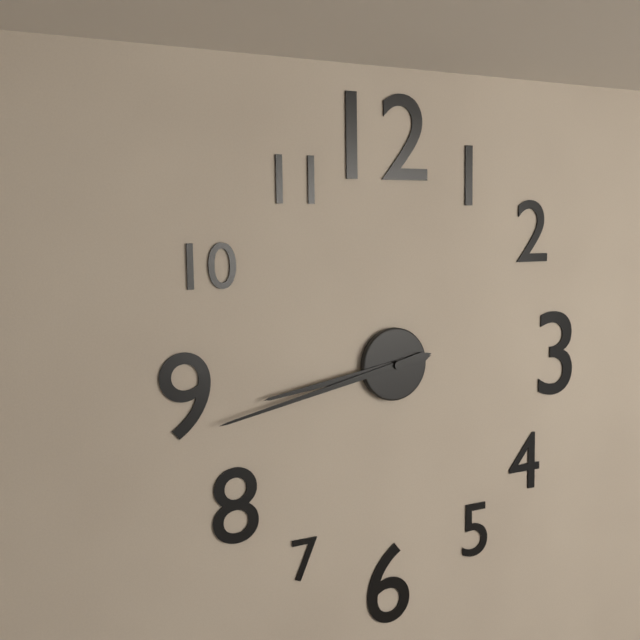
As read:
8,43
